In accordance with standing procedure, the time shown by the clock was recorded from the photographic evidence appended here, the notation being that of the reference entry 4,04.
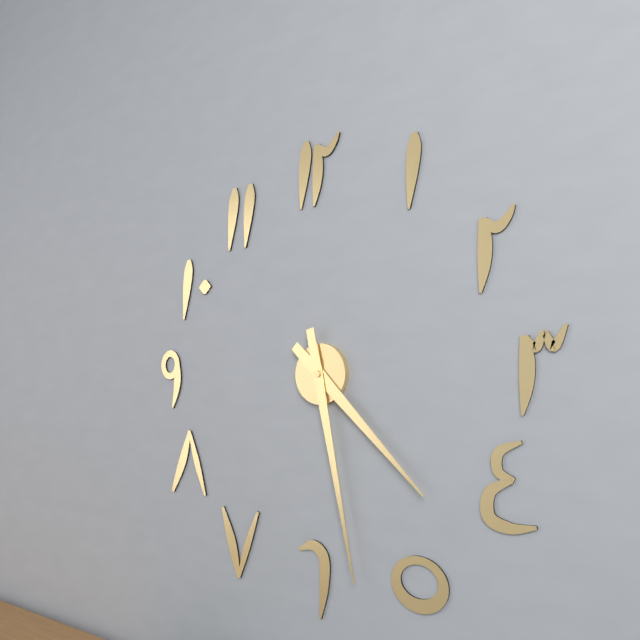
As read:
4,28
